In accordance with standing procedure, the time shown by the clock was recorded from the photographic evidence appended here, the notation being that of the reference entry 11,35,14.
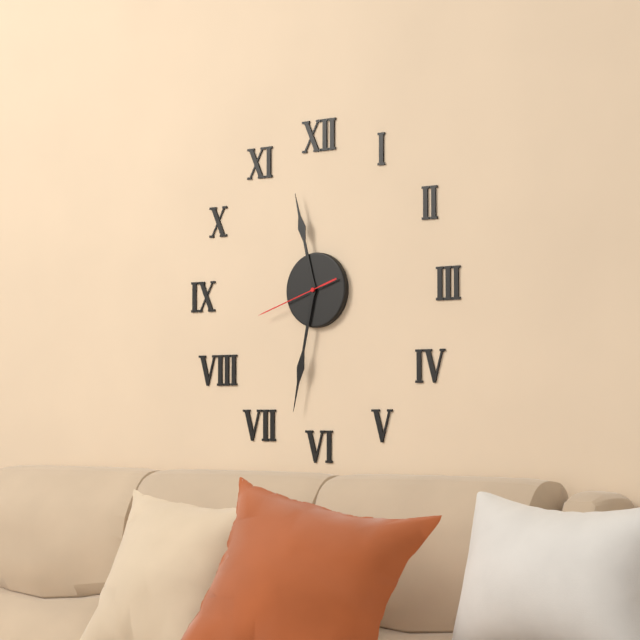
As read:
11,32,42
